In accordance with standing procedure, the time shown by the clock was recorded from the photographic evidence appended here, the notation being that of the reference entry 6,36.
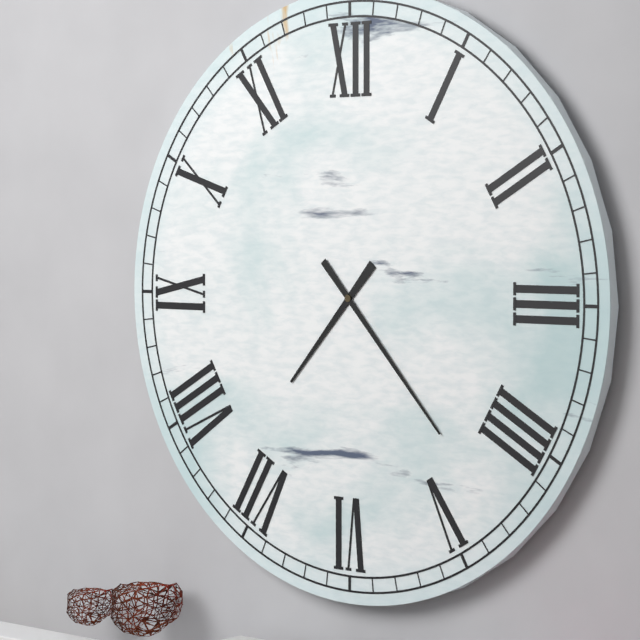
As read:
7,23
